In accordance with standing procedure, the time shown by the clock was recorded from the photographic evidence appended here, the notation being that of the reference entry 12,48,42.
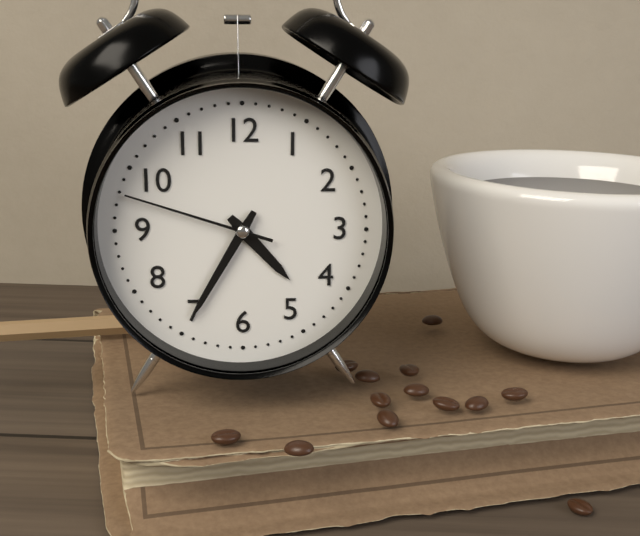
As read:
4,35,48
